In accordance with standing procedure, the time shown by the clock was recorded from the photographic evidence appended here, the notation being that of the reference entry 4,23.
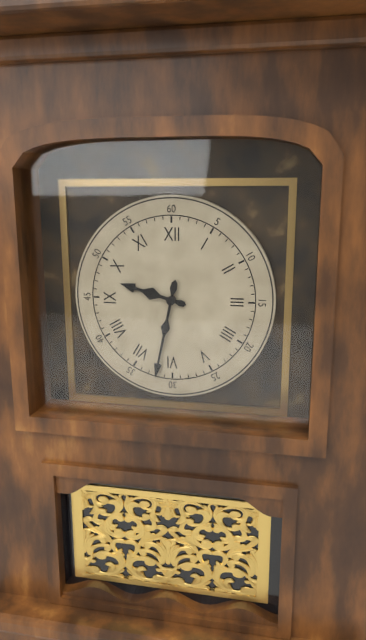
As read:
9,32
